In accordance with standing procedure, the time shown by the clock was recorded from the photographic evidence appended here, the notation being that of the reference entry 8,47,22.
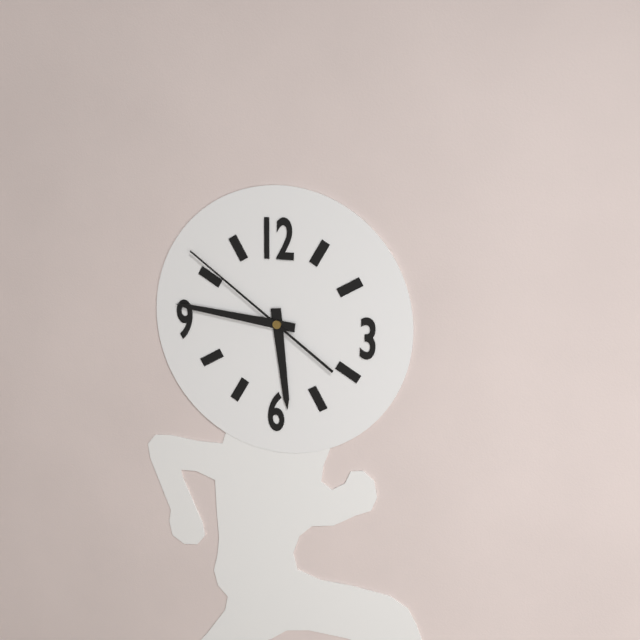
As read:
5,46,51
